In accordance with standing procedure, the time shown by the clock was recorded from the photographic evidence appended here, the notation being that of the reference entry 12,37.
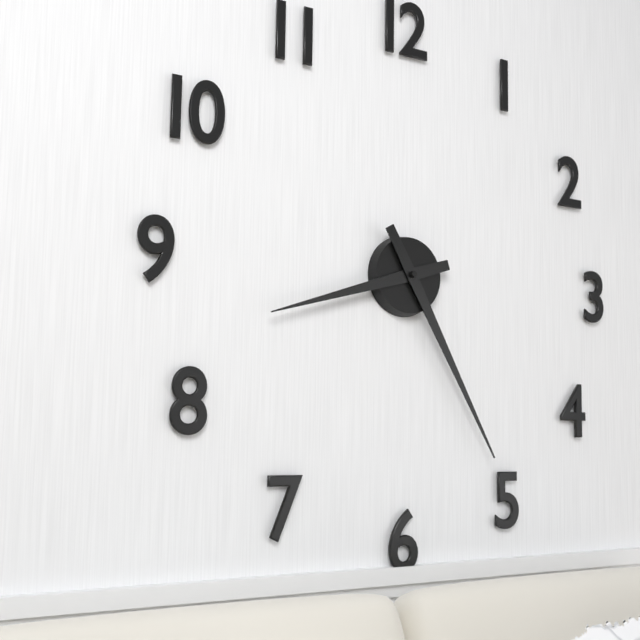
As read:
8,25
